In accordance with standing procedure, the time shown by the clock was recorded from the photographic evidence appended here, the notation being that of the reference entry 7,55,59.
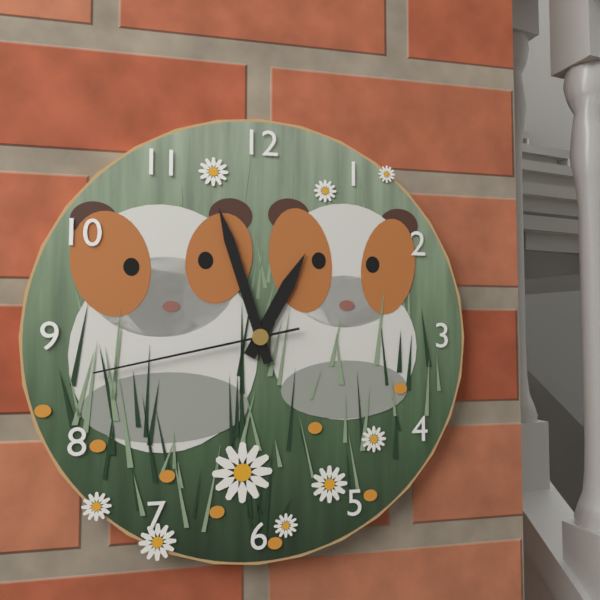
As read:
12,57,43
